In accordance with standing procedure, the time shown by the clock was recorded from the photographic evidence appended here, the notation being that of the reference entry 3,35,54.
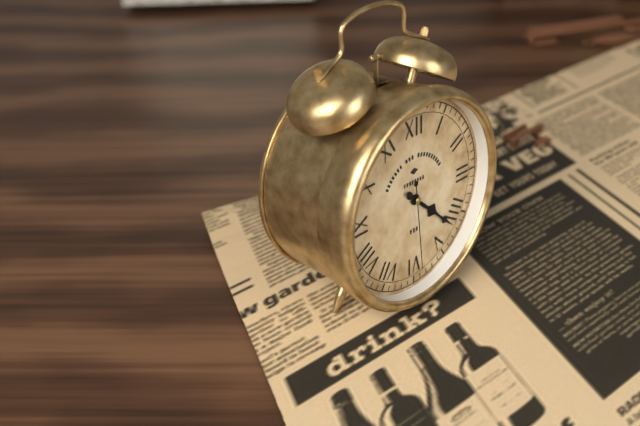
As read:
4,22,29
